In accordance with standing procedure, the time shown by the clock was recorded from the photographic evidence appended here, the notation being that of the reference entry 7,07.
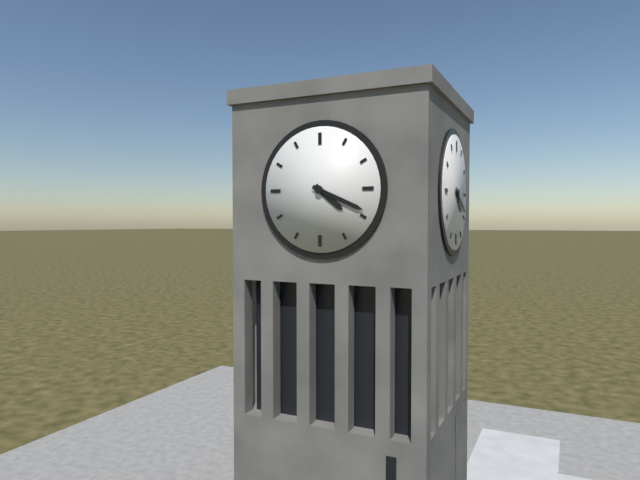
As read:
4,19
